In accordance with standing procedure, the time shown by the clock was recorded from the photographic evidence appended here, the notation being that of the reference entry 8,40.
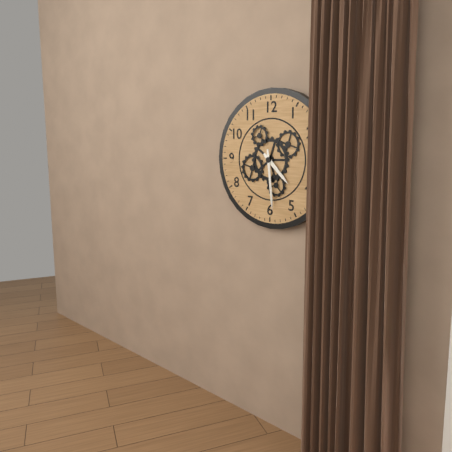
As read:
4,29
